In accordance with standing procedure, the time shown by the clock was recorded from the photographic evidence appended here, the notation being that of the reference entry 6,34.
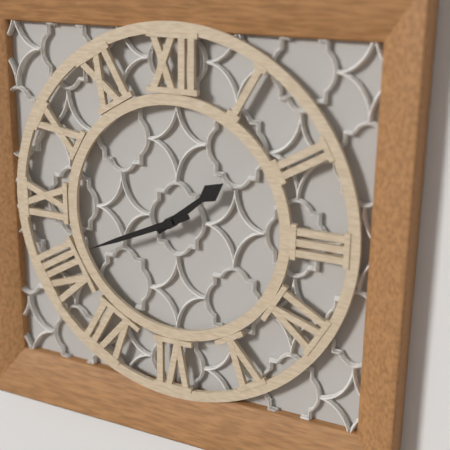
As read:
1,41
